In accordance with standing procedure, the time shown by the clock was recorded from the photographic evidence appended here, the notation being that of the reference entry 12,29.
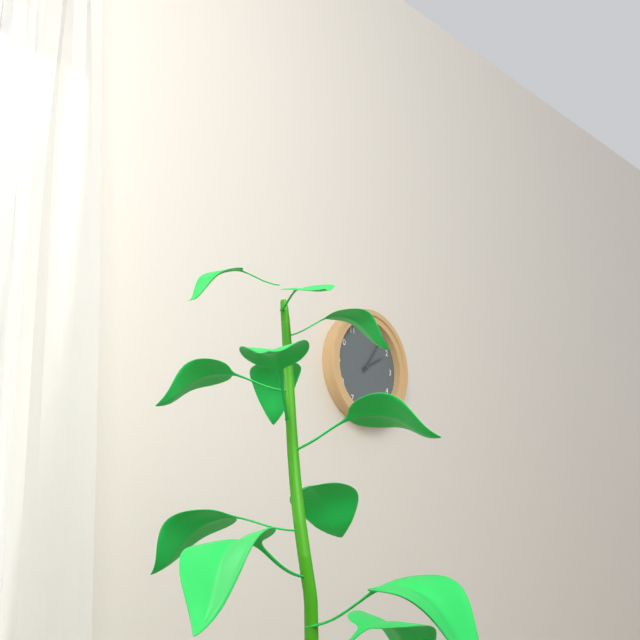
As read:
2,06
